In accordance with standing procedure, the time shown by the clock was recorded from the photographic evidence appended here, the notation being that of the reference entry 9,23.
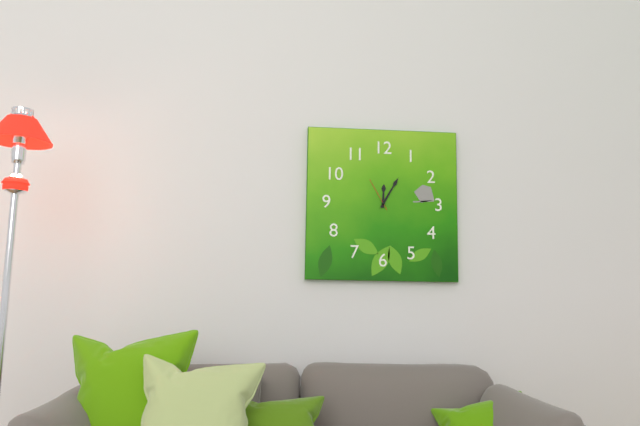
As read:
12,05
